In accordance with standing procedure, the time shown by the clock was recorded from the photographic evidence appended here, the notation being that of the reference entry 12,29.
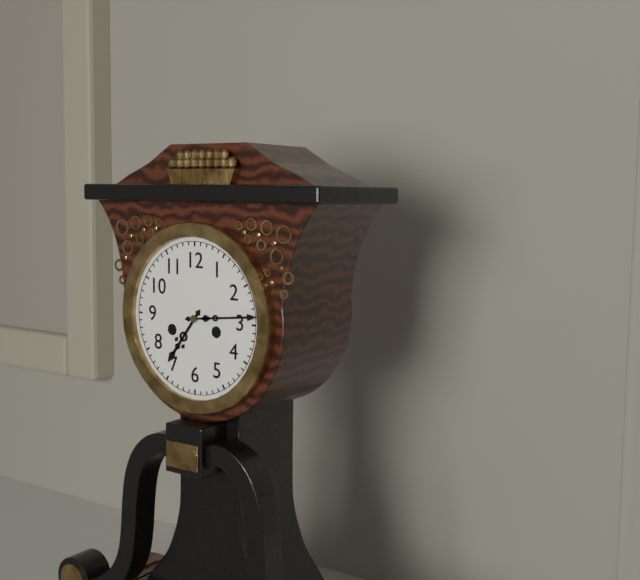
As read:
7,14
